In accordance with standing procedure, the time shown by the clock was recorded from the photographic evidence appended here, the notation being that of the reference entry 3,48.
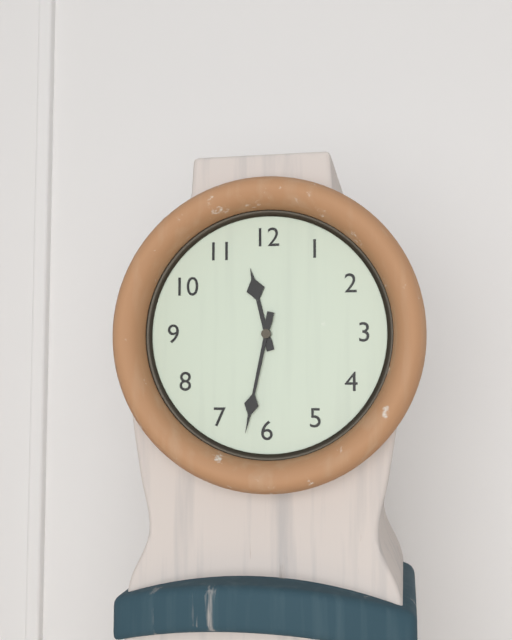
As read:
11,32
